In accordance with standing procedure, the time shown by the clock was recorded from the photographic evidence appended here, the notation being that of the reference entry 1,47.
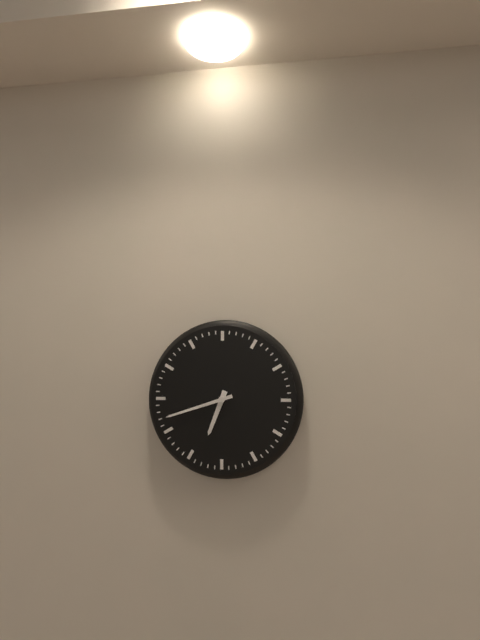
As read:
6,42
